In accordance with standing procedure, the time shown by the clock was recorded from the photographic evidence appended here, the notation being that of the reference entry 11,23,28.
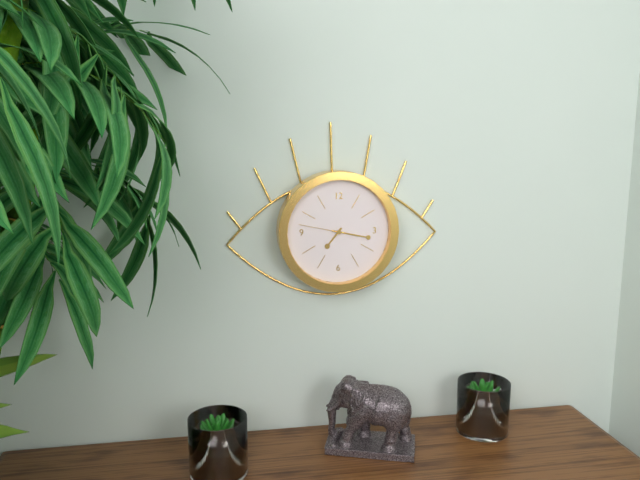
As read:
7,17,47
